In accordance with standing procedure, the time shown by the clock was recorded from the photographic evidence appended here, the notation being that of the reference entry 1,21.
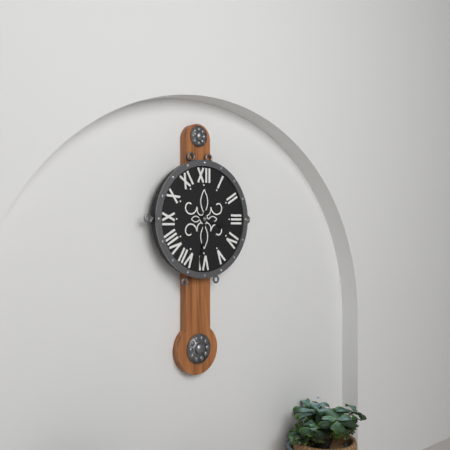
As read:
3,31
